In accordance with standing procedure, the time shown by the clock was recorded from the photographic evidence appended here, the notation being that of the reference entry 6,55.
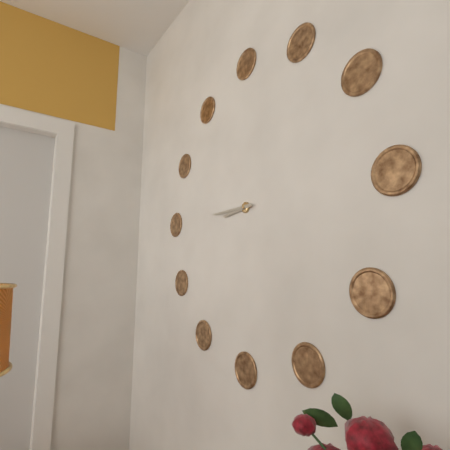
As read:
8,45
